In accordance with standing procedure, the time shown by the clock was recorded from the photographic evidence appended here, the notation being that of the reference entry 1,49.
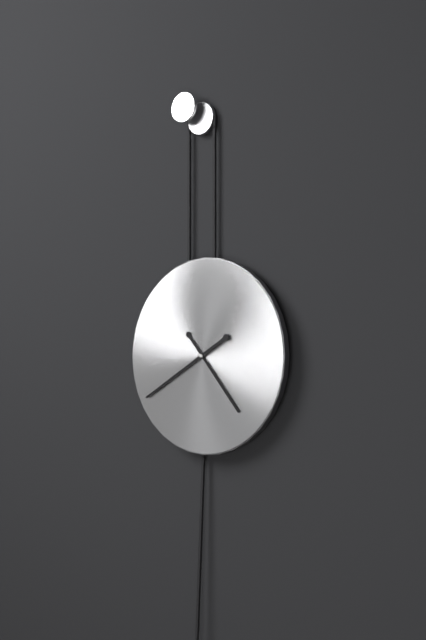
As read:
4,40
